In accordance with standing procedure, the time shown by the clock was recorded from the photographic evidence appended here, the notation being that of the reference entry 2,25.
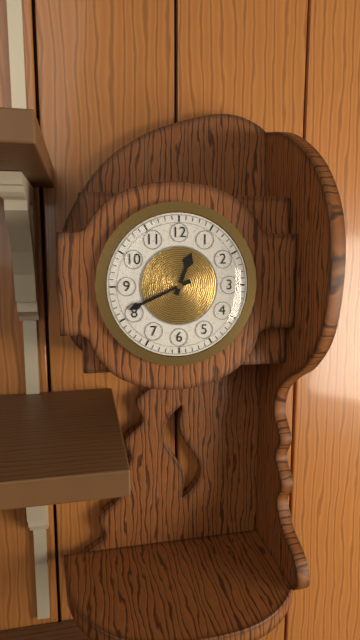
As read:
12,41
